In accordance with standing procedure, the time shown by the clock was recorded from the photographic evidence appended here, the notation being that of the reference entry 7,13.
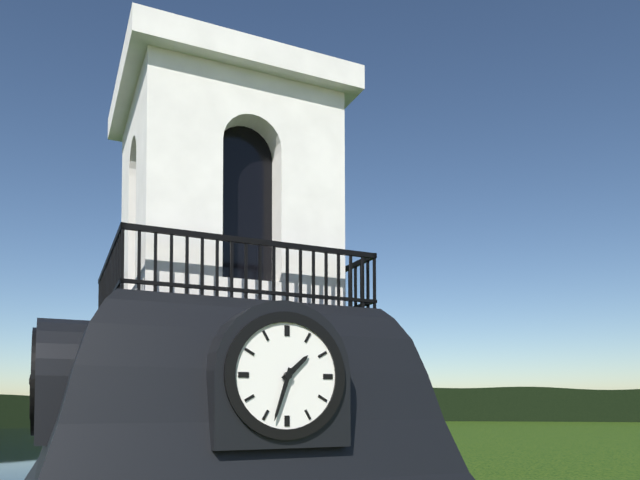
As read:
1,33
